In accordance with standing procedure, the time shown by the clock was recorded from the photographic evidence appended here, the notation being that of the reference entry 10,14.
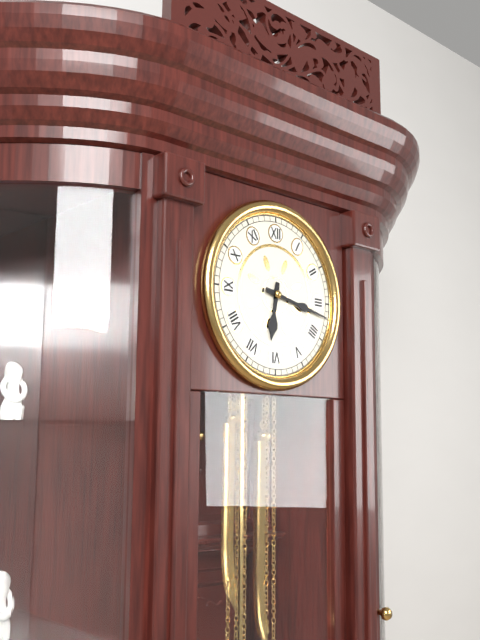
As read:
6,17
